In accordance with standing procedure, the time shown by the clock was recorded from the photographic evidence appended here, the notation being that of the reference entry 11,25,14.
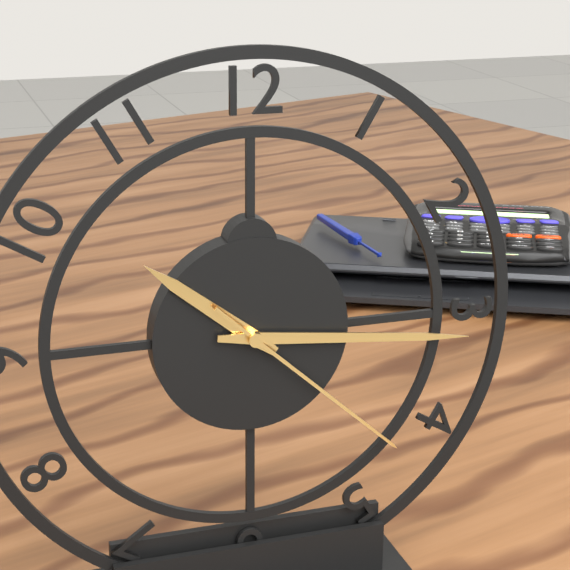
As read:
10,16,22
